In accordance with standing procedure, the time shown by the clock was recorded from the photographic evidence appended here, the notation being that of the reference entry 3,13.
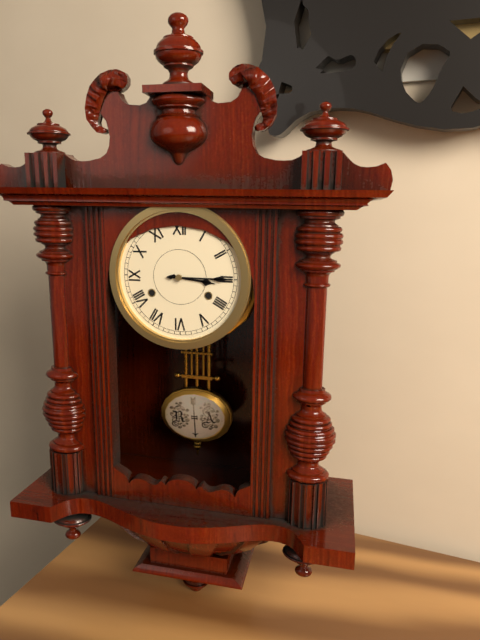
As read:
3,15
